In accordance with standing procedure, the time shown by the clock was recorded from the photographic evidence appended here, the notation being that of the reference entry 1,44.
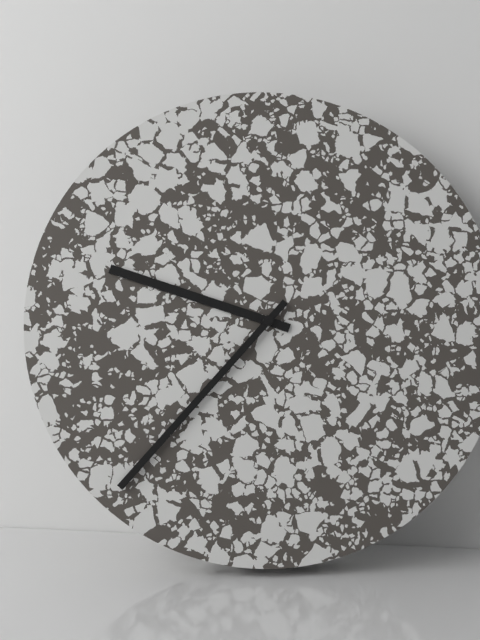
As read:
9,37
